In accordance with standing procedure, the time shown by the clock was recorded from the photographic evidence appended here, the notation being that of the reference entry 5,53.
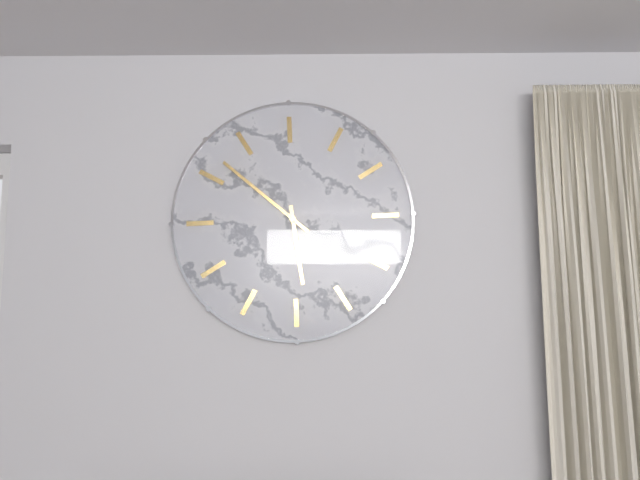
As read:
4,47
